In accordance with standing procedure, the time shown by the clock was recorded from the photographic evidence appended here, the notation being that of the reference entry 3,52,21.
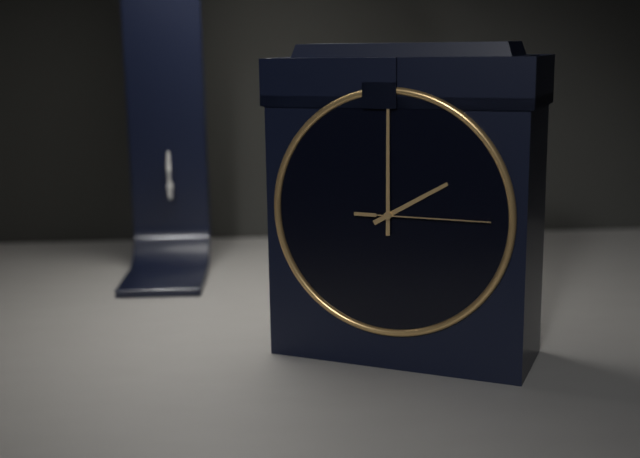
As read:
2,00,15
